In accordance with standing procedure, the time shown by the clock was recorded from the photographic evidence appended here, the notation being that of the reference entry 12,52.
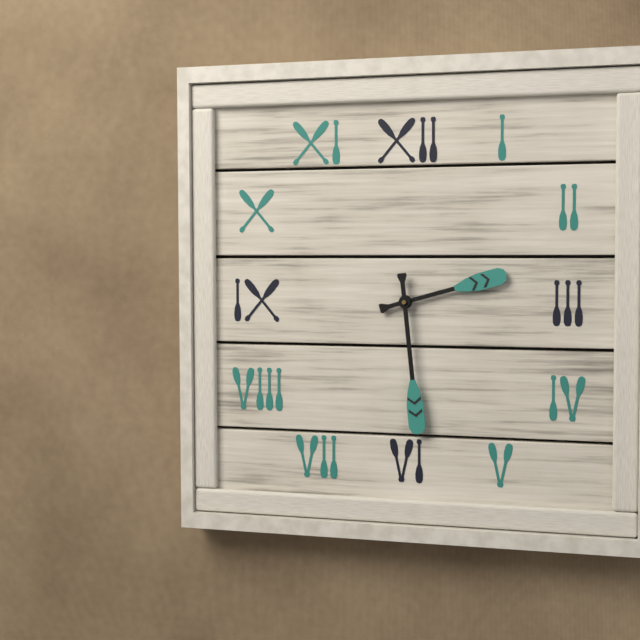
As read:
2,29
